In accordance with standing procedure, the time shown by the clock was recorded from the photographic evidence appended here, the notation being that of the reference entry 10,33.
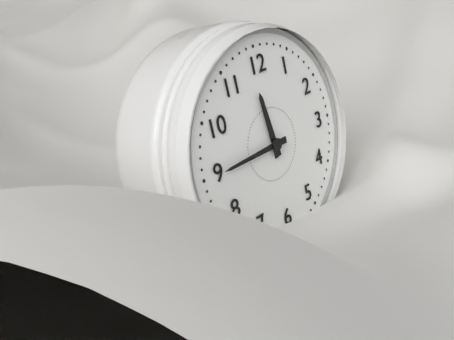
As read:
11,45
